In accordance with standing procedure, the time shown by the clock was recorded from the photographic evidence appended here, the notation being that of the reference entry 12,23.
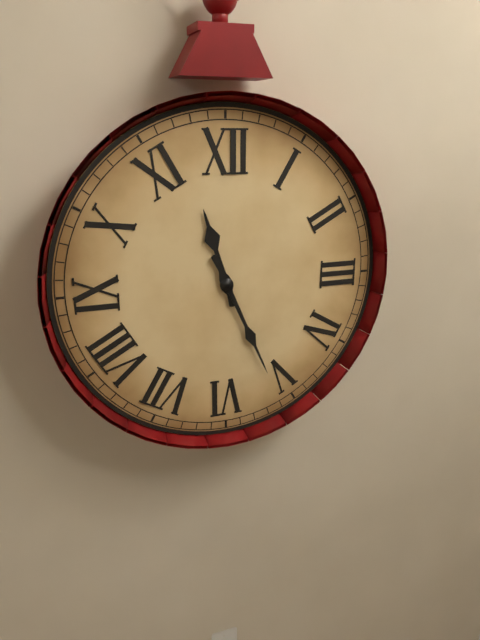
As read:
11,26
